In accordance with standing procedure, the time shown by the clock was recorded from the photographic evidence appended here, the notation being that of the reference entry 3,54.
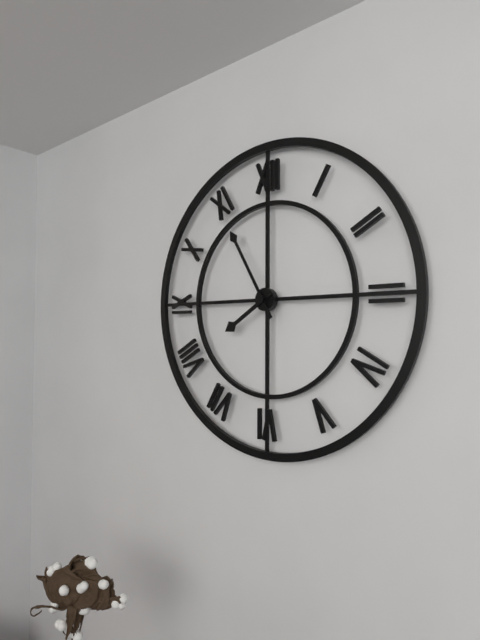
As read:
7,55
